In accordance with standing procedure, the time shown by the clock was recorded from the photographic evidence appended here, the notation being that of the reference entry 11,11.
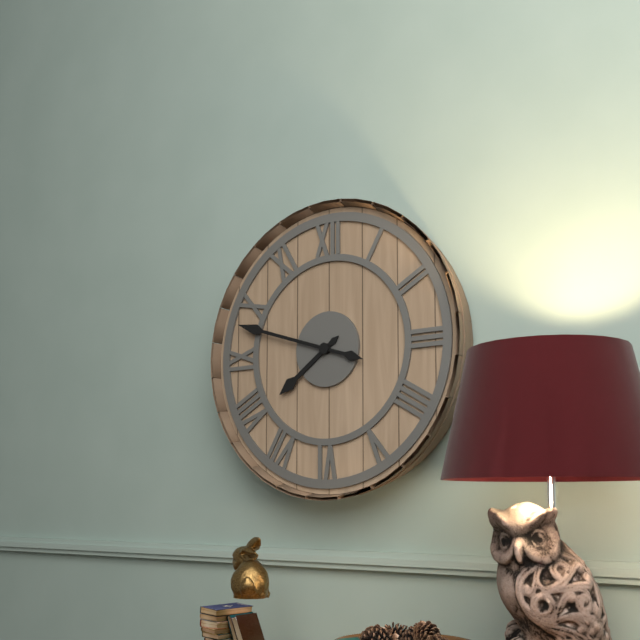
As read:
7,48
